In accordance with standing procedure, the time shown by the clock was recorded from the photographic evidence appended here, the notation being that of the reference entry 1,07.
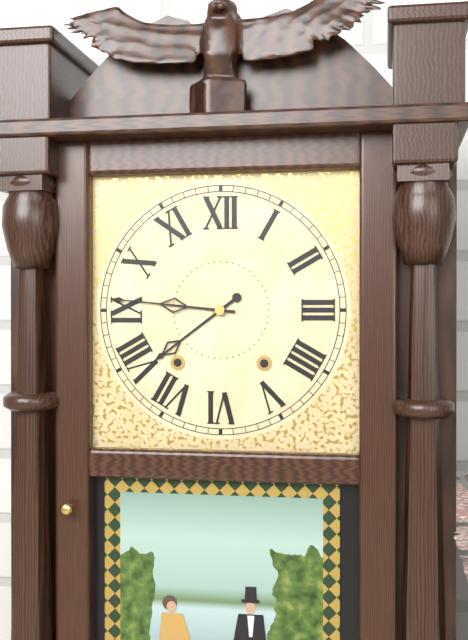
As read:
7,46
